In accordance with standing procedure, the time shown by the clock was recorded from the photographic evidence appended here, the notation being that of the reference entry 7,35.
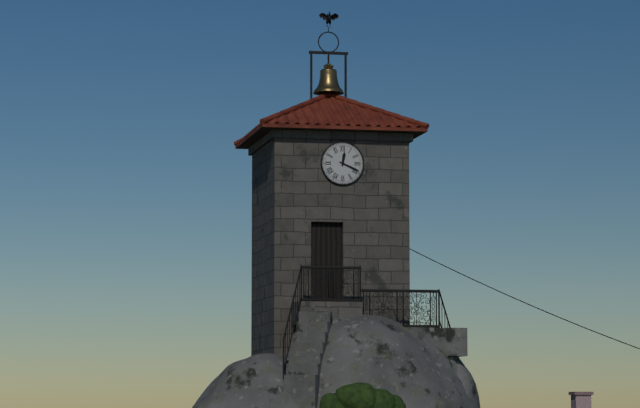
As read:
12,19
